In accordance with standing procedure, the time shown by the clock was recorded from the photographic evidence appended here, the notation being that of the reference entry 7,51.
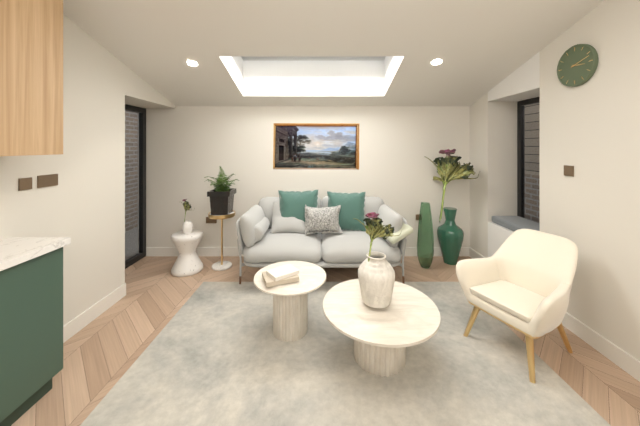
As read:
3,12
